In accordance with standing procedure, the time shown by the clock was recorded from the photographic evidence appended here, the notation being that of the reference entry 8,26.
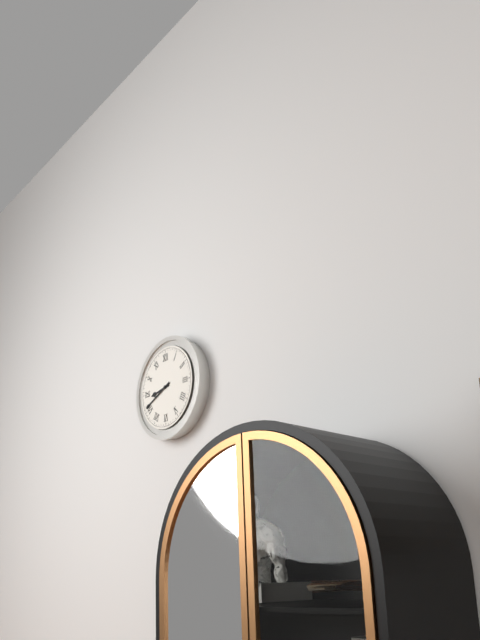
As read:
8,41
